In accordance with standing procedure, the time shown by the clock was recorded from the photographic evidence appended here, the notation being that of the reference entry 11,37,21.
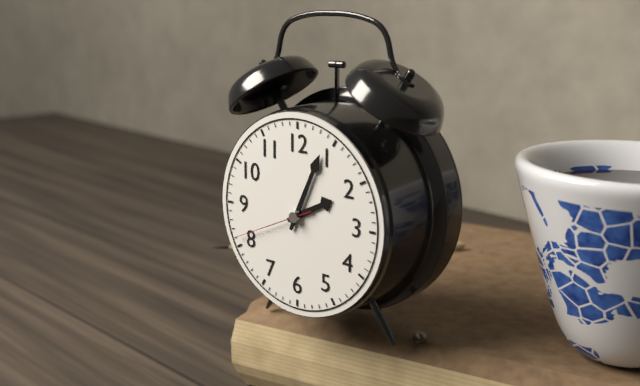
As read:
2,04,41
